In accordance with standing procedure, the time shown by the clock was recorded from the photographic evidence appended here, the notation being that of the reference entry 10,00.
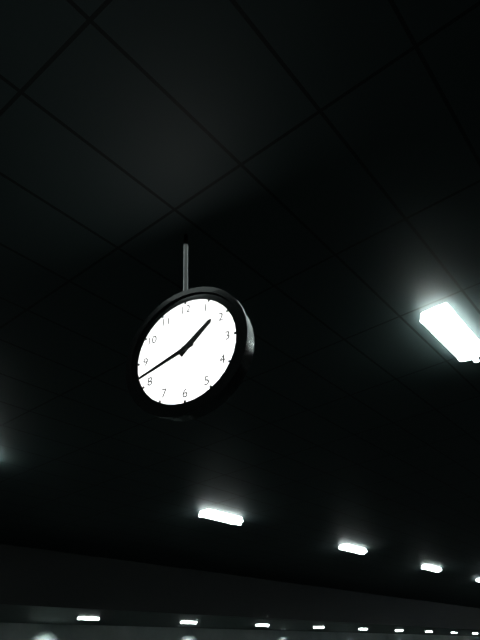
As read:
1,42
